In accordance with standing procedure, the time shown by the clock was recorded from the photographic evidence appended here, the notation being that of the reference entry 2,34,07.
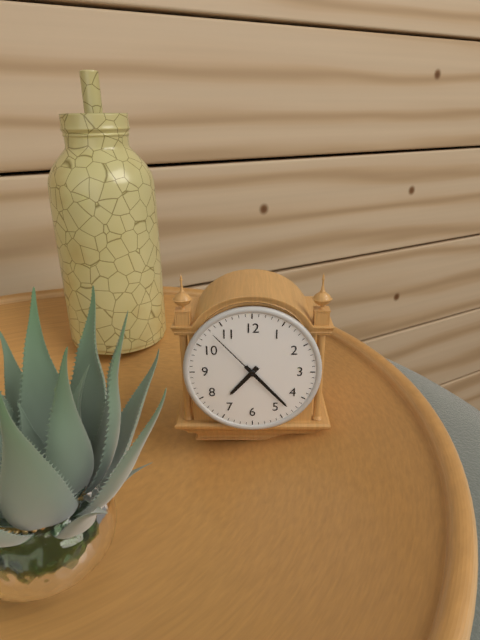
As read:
7,23,53
